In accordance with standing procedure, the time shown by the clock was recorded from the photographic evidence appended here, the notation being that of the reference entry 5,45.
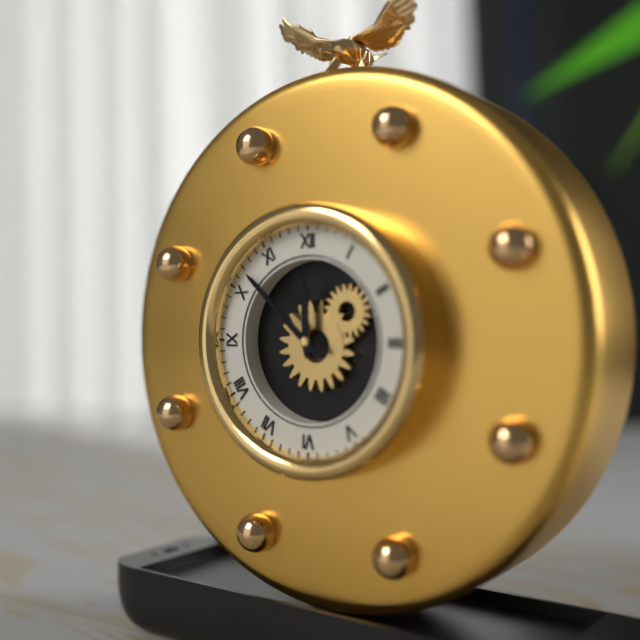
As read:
11,52
